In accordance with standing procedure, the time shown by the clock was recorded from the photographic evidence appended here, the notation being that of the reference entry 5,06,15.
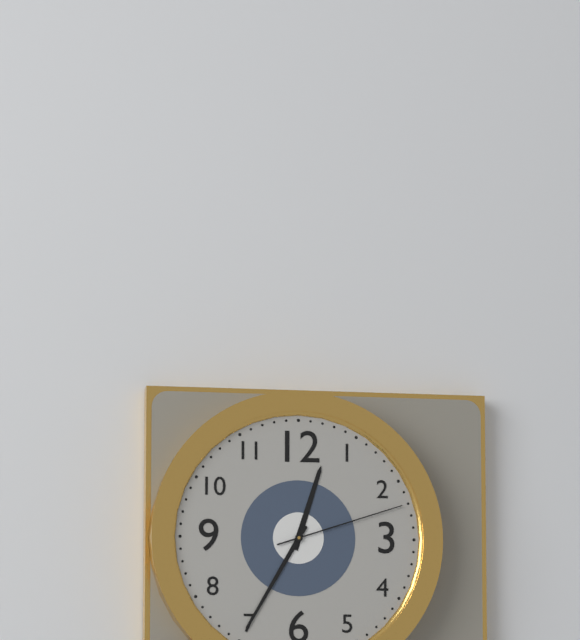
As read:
12,35,12
